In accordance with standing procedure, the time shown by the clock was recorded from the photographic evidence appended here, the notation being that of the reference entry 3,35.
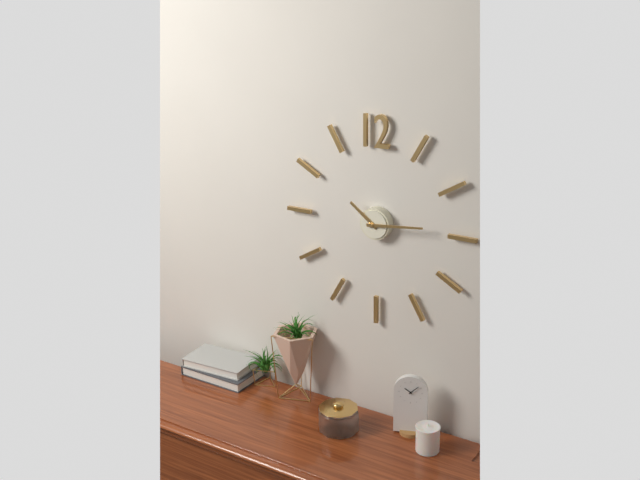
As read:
10,14
